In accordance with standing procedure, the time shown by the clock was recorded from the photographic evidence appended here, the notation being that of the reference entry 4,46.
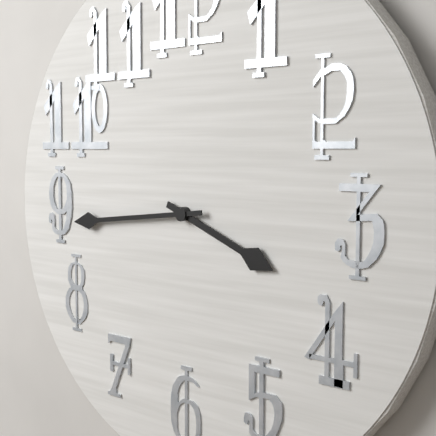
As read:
3,44
